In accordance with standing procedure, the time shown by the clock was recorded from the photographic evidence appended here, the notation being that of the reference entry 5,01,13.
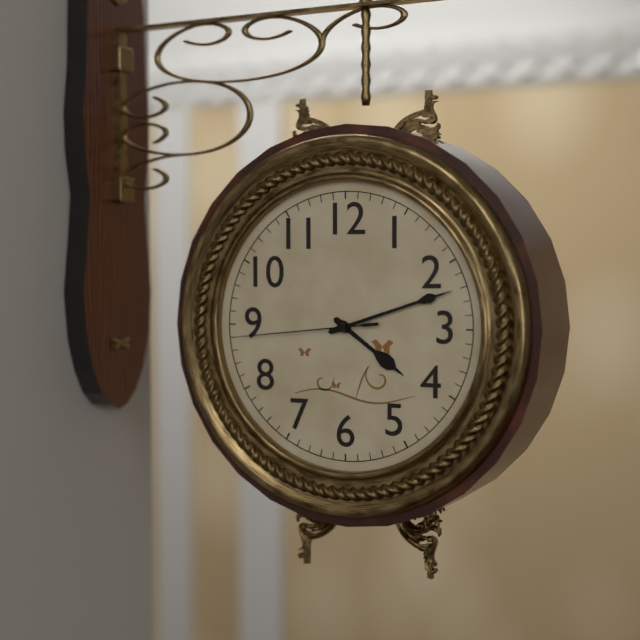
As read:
4,12,44
